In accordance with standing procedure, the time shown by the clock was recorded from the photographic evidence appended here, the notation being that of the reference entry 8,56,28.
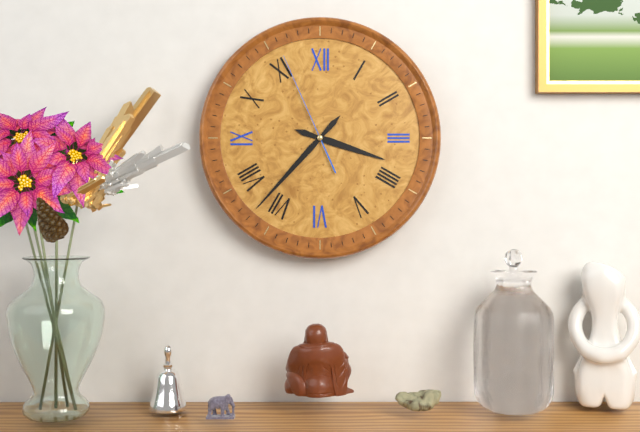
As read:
3,37,56
